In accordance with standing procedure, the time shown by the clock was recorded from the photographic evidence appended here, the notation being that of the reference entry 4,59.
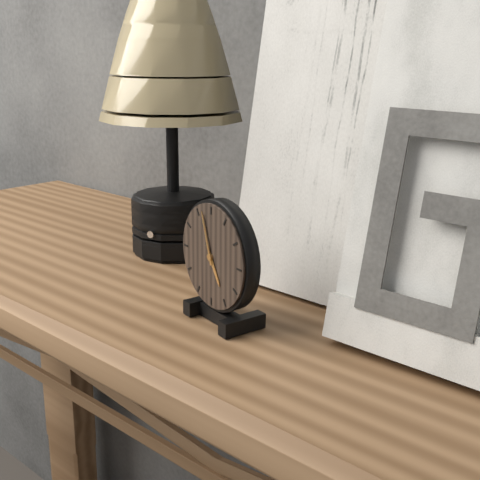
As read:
4,57
